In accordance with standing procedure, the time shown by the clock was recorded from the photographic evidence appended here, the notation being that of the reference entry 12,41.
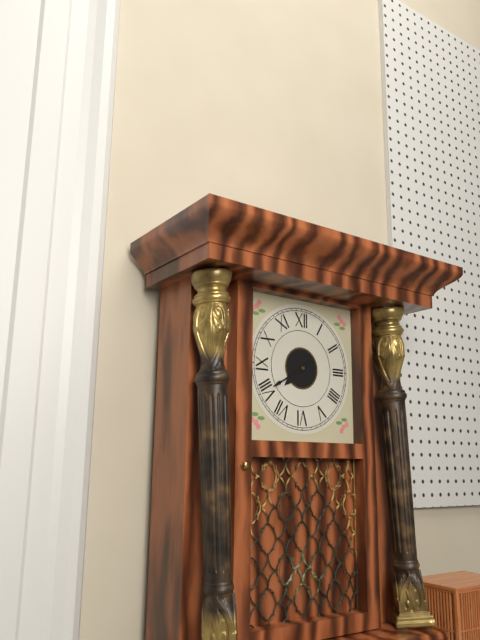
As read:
7,40
